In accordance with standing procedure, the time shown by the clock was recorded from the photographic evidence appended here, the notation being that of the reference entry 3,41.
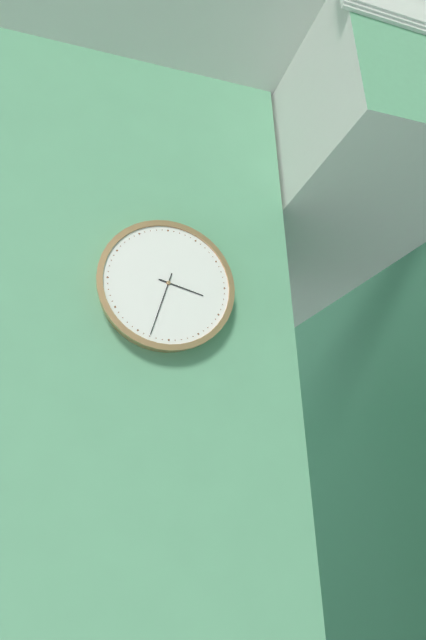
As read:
3,33
